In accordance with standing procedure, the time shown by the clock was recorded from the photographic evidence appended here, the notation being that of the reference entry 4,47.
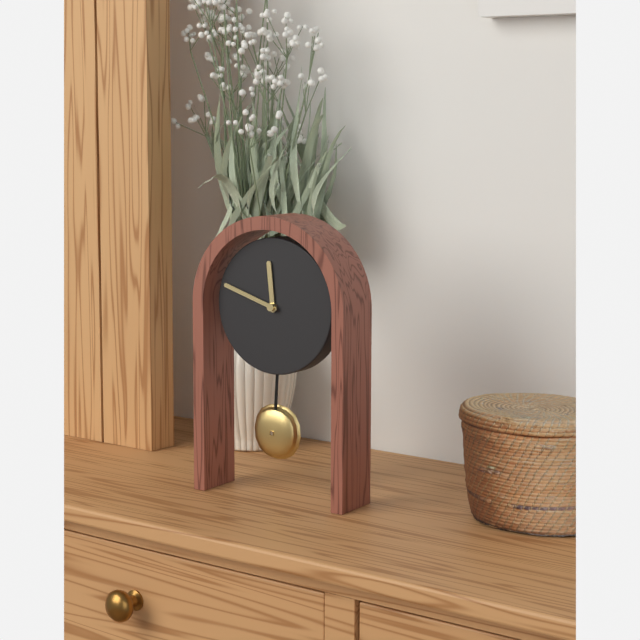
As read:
11,48
